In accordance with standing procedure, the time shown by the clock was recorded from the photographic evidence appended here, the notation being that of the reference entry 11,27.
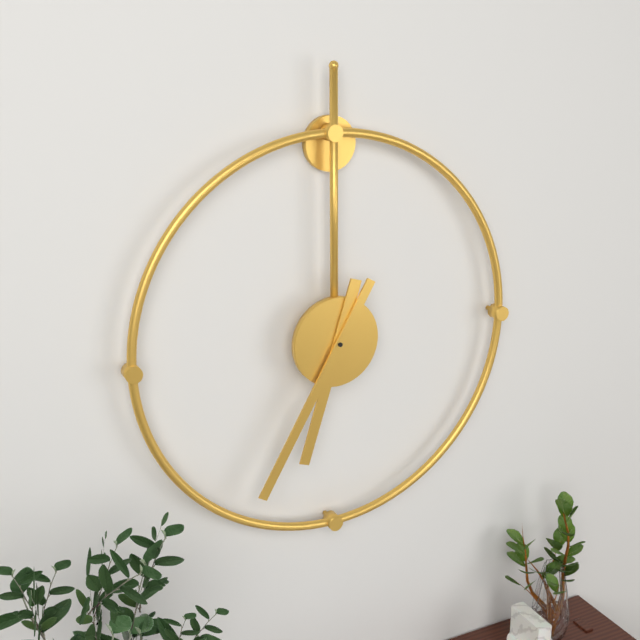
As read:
6,35
